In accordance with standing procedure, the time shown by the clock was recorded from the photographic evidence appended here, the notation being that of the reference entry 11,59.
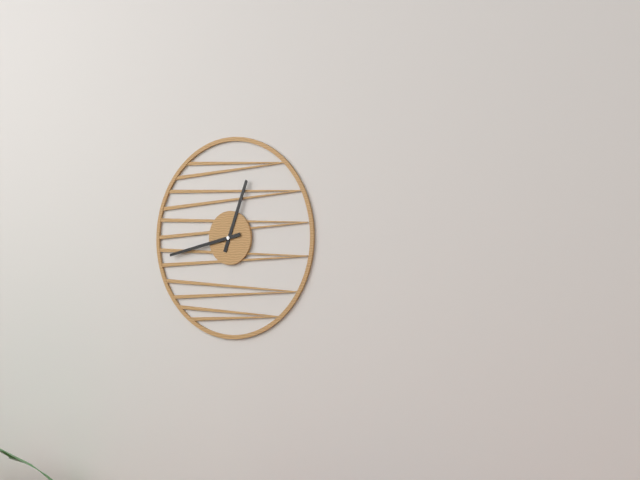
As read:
12,43
